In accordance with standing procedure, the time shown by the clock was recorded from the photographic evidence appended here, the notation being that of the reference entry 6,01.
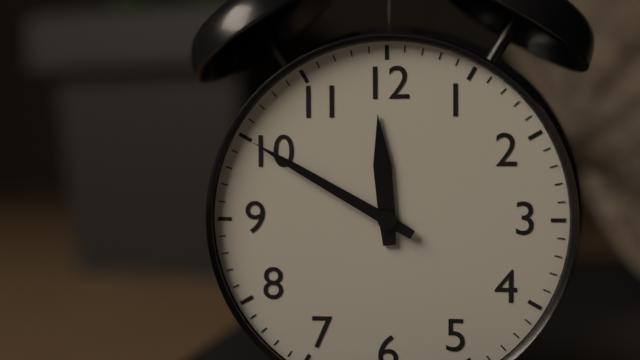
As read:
11,50
